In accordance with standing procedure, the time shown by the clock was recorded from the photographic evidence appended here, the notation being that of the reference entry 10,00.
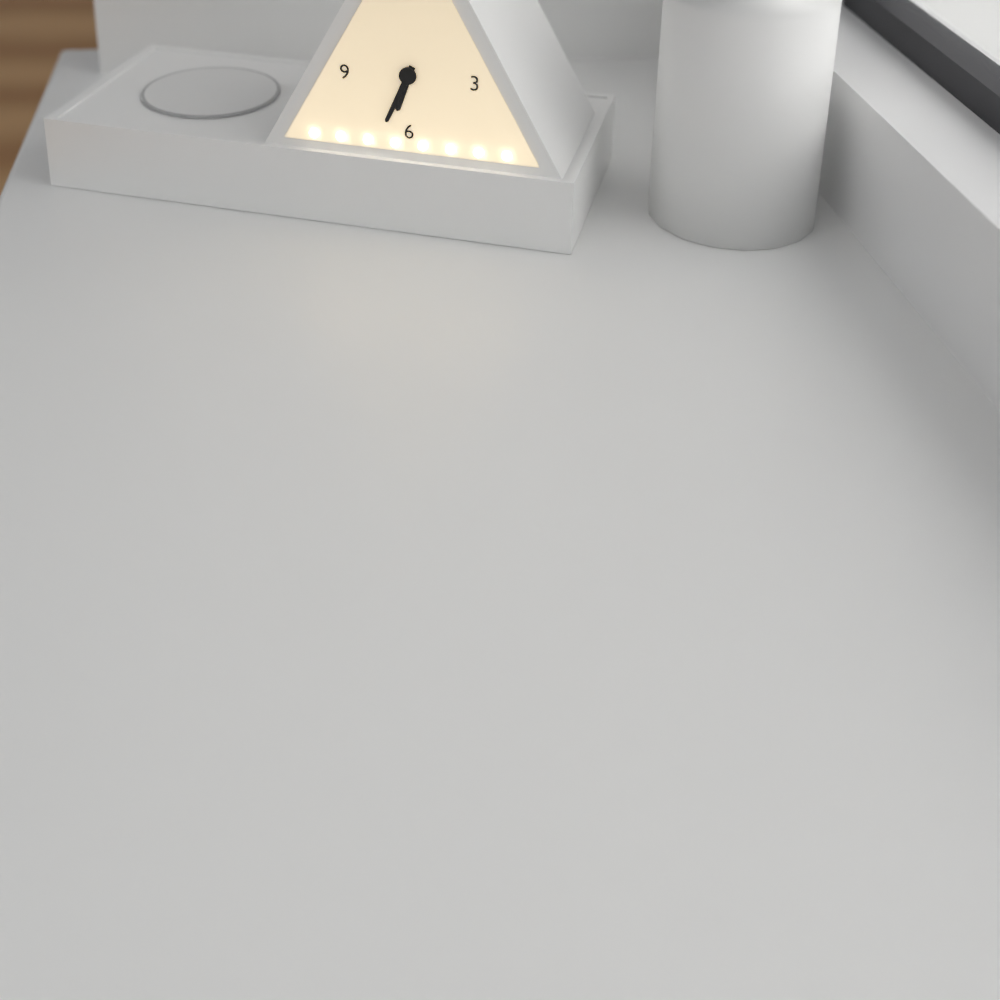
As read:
6,34
